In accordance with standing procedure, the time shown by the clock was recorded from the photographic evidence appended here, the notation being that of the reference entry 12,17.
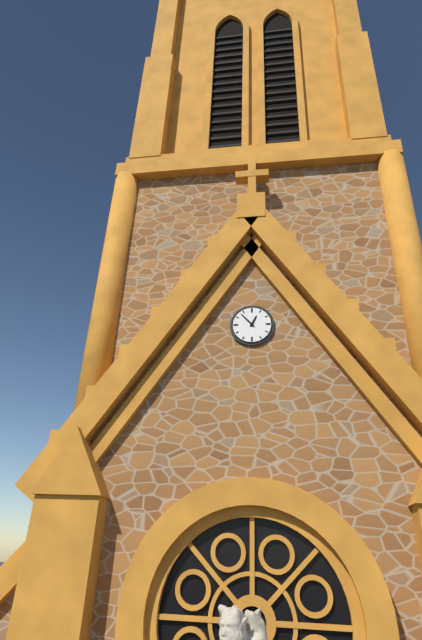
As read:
12,53
